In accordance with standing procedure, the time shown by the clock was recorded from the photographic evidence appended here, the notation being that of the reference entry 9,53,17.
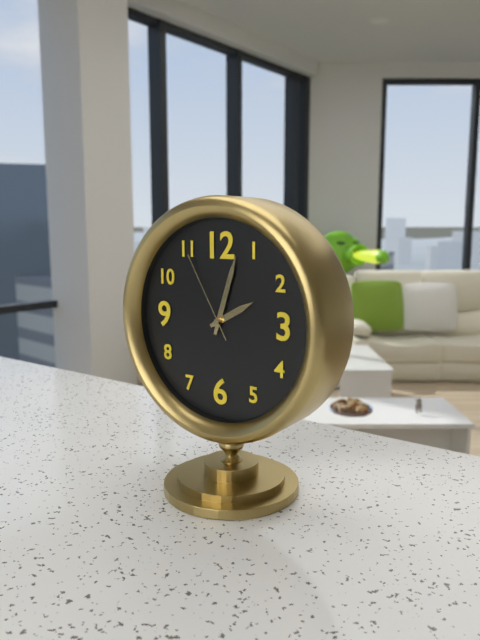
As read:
2,03,55
